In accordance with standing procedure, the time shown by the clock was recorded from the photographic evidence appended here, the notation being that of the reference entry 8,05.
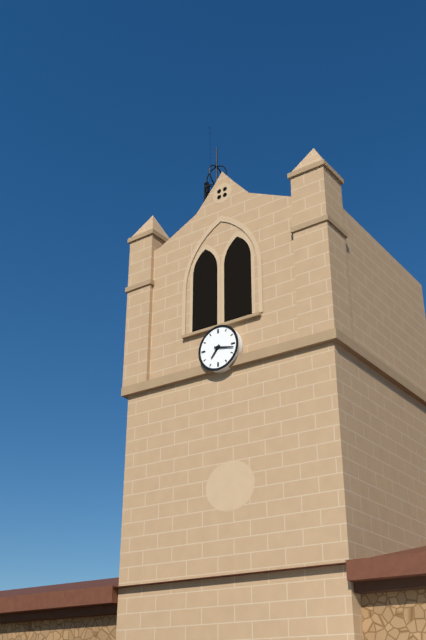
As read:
7,17
